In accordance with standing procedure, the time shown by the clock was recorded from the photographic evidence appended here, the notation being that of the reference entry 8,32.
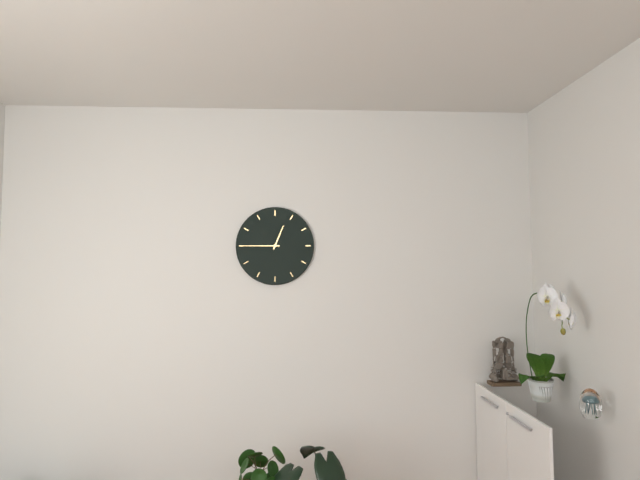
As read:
12,45
